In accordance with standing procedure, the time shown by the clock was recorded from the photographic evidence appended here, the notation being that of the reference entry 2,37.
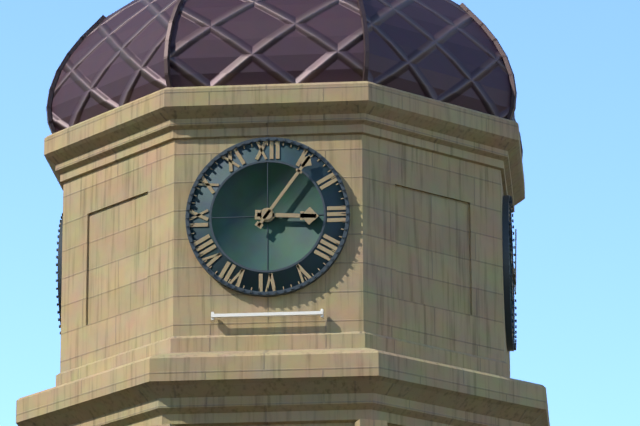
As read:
3,06
